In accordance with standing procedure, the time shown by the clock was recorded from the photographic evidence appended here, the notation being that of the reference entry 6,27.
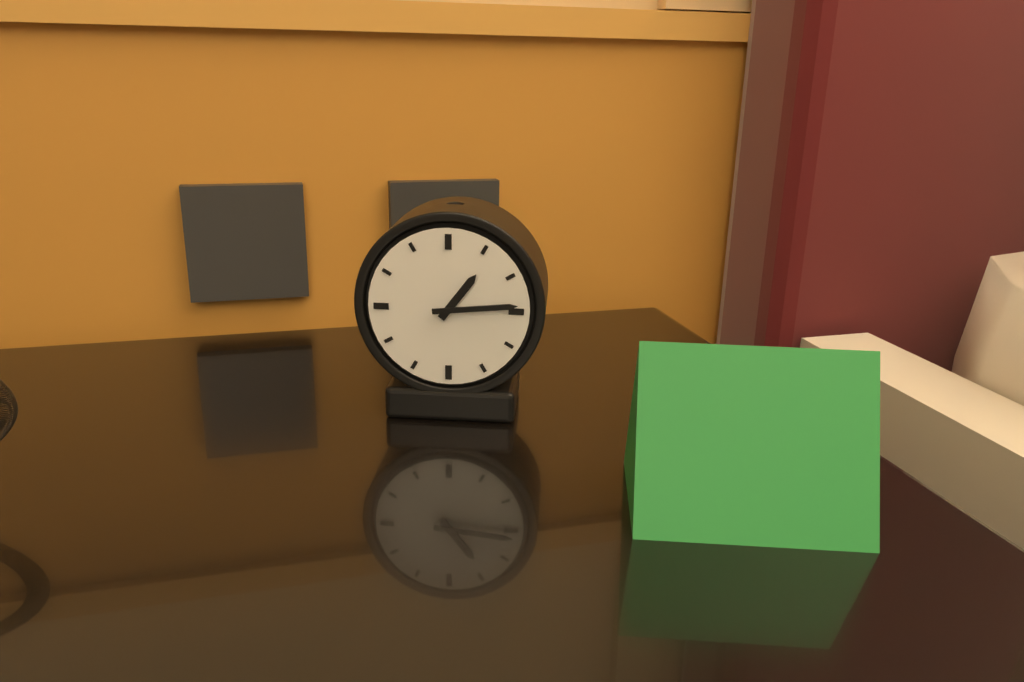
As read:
1,14
